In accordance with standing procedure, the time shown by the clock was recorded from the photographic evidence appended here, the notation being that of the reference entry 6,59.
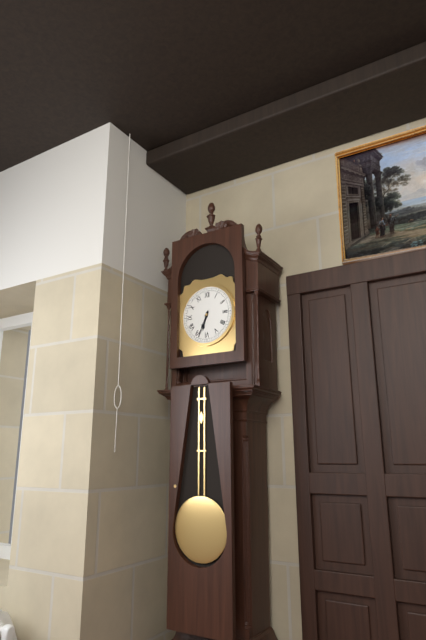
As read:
6,34
